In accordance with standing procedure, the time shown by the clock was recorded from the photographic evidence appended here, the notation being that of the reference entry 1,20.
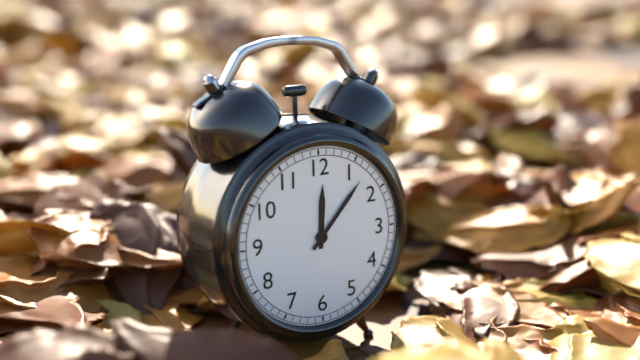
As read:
12,07
